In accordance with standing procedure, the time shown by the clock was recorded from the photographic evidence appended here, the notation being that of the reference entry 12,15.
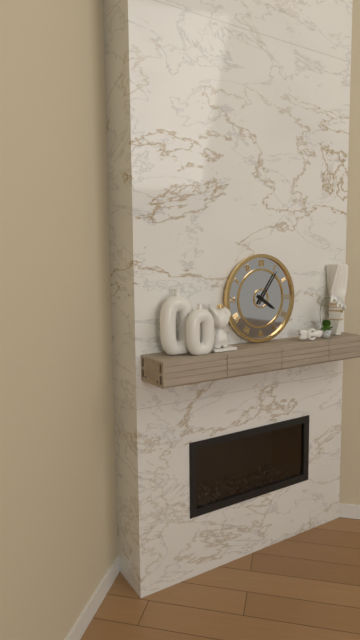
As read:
4,06
